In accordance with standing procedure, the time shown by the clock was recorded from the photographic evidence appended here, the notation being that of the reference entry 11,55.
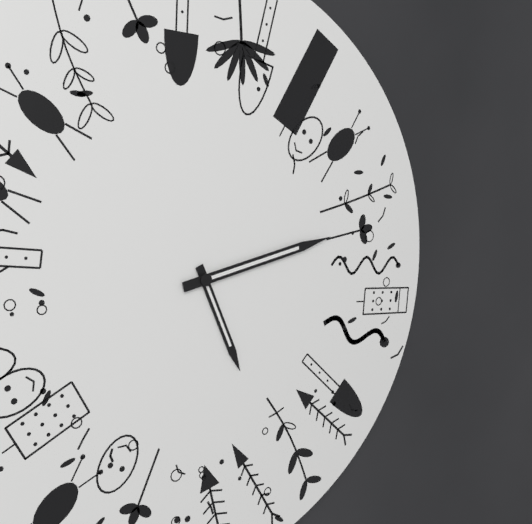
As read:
5,13
